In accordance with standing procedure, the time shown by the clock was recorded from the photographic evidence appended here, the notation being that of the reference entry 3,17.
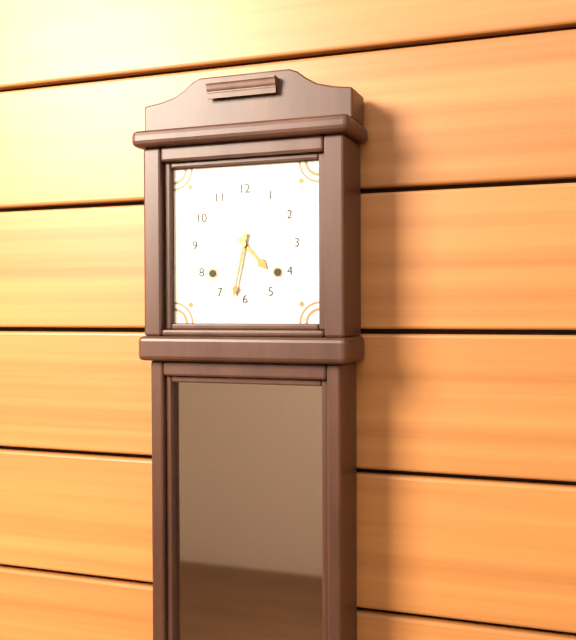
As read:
4,32
